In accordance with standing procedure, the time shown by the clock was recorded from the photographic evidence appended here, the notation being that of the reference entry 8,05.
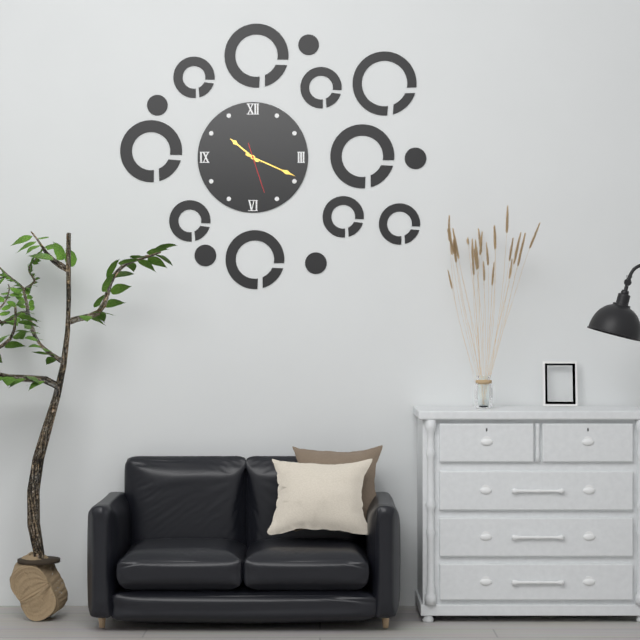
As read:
10,19
